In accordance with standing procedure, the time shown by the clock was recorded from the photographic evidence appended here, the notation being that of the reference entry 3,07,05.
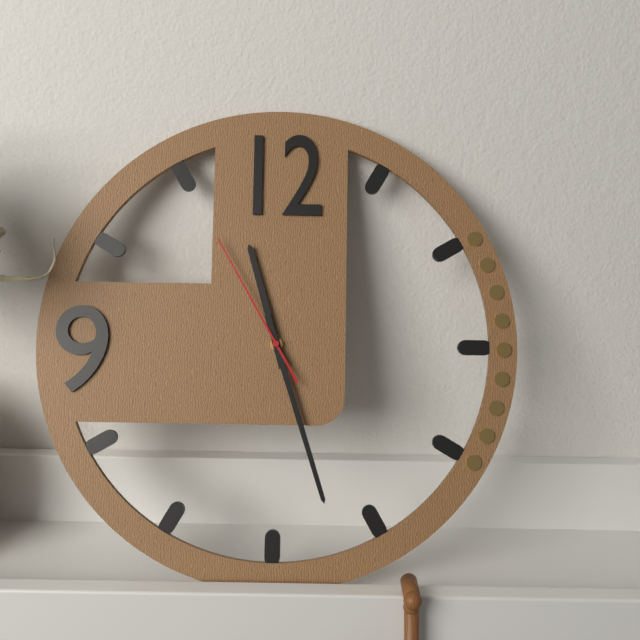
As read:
11,27,55
